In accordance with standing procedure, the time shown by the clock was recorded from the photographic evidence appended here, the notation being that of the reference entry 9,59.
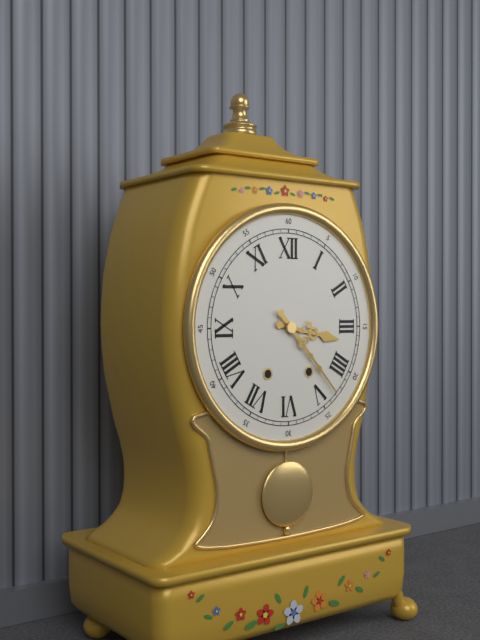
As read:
3,23
